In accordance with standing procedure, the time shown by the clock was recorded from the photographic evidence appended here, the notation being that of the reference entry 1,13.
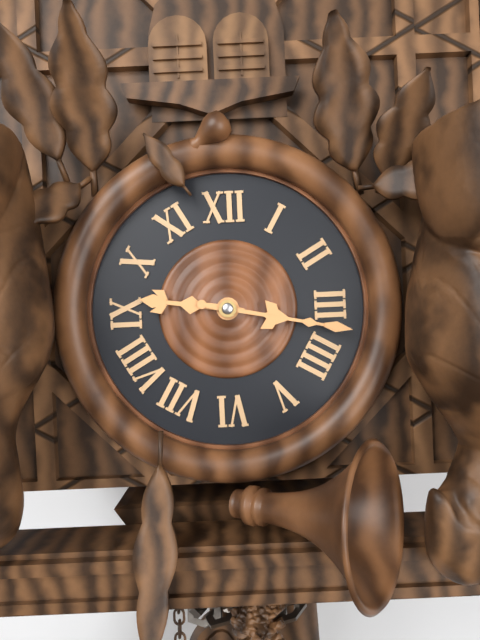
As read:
9,17
